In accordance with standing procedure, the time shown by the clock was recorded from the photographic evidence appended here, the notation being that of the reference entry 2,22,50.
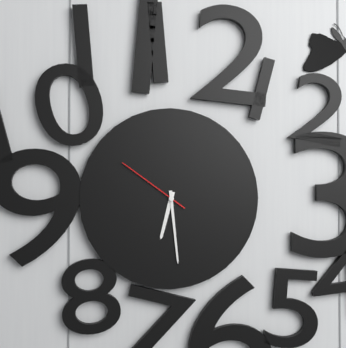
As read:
6,29,51
